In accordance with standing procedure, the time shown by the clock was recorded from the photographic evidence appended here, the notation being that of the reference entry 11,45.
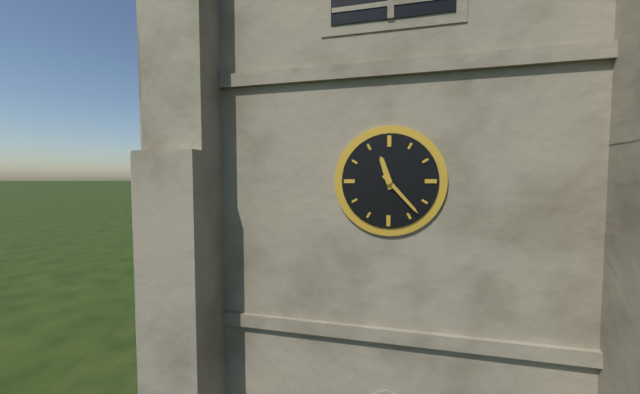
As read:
11,23
